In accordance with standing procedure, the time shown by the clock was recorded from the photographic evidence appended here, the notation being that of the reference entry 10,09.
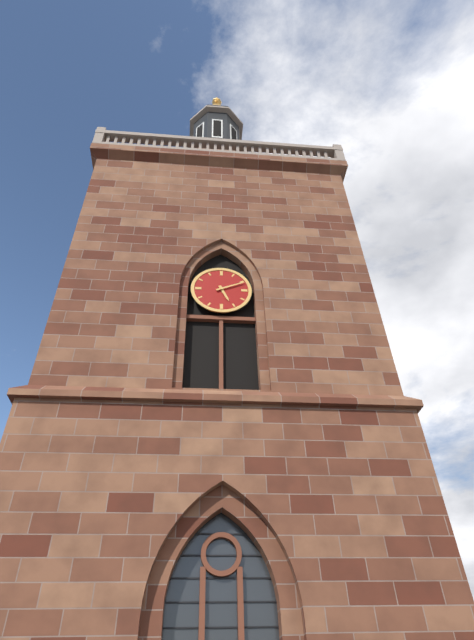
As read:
5,11
